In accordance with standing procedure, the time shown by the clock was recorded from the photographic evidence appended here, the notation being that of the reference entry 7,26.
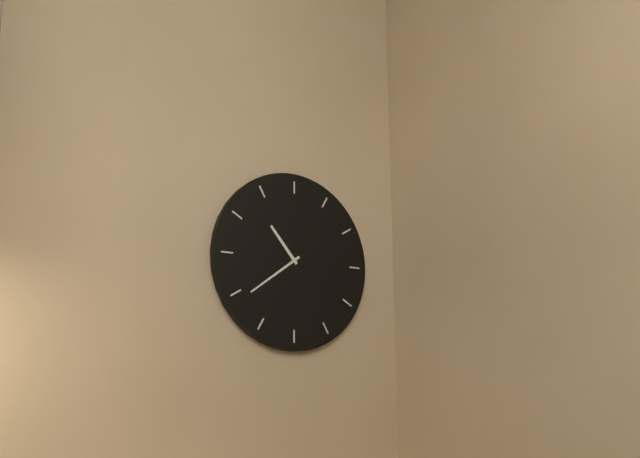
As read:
10,39
